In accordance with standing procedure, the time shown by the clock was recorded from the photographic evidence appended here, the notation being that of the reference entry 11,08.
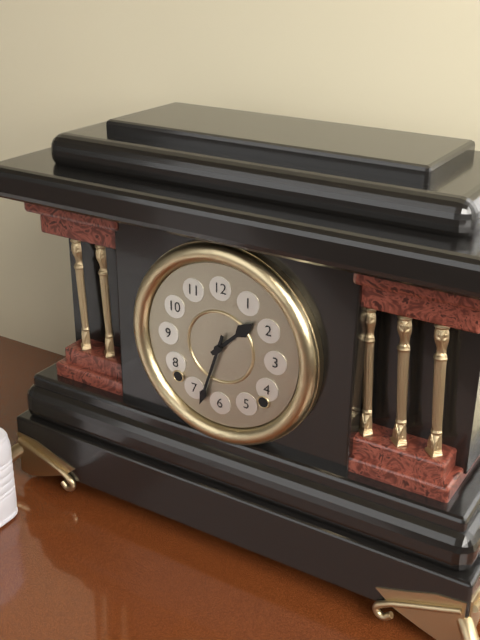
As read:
1,33
